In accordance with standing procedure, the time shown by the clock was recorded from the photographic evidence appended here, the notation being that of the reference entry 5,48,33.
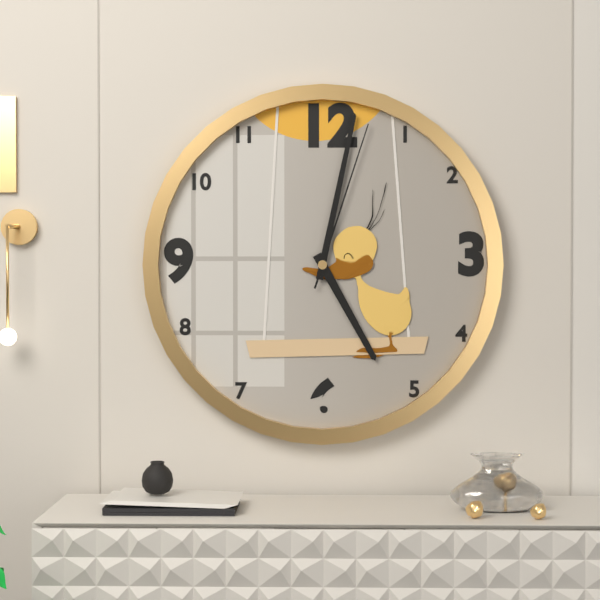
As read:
5,02,03
